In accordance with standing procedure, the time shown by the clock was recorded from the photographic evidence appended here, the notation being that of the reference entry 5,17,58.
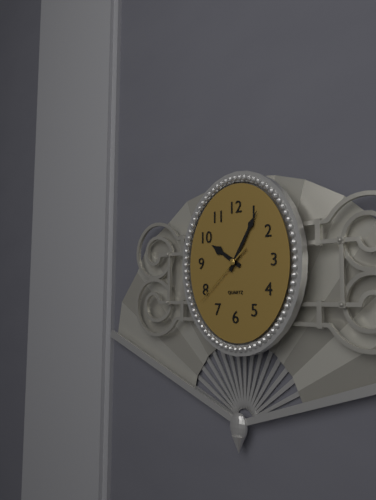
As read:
10,05,38
